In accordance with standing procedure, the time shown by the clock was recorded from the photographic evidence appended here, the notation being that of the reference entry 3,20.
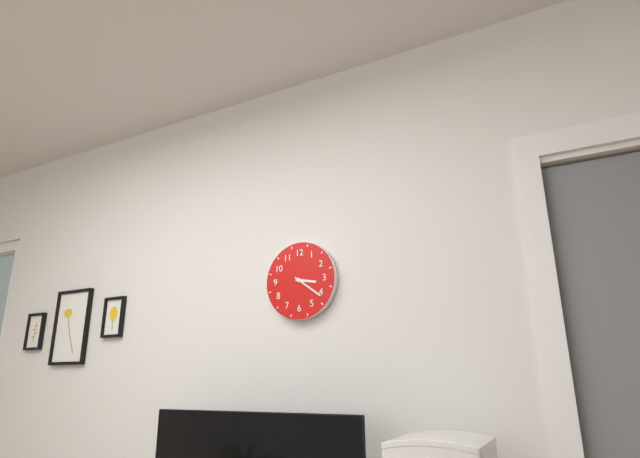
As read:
3,21
